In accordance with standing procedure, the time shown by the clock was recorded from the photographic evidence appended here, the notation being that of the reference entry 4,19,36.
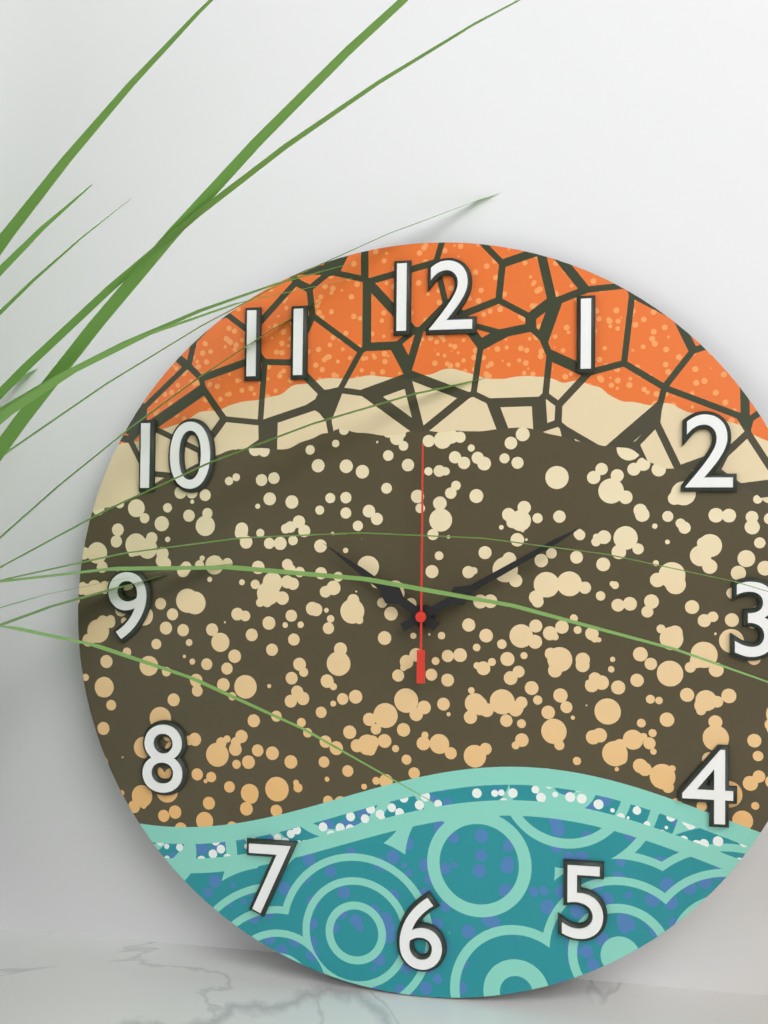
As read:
10,10,00
